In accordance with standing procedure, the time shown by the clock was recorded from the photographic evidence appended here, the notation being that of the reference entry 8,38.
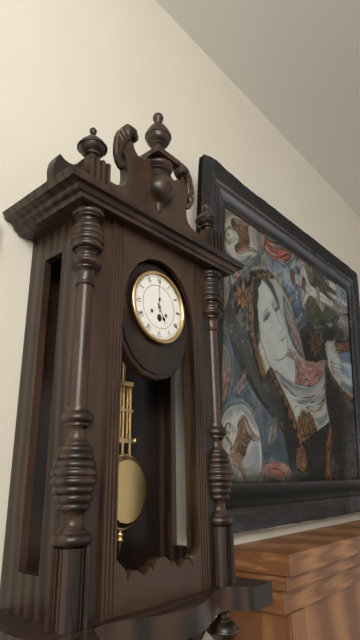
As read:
5,00
